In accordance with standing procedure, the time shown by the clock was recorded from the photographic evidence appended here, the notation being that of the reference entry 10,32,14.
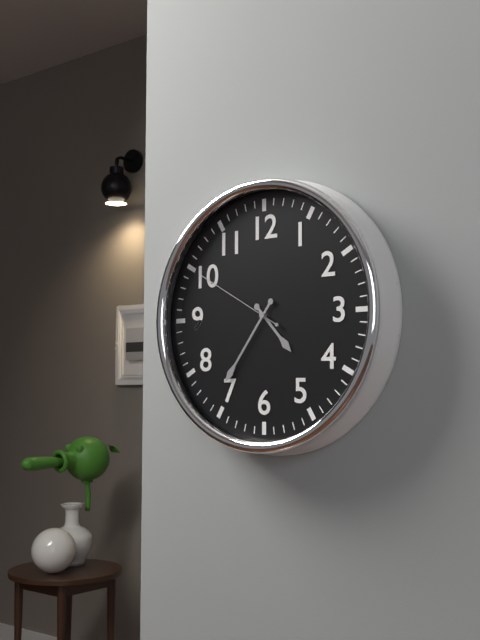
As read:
4,36,50
